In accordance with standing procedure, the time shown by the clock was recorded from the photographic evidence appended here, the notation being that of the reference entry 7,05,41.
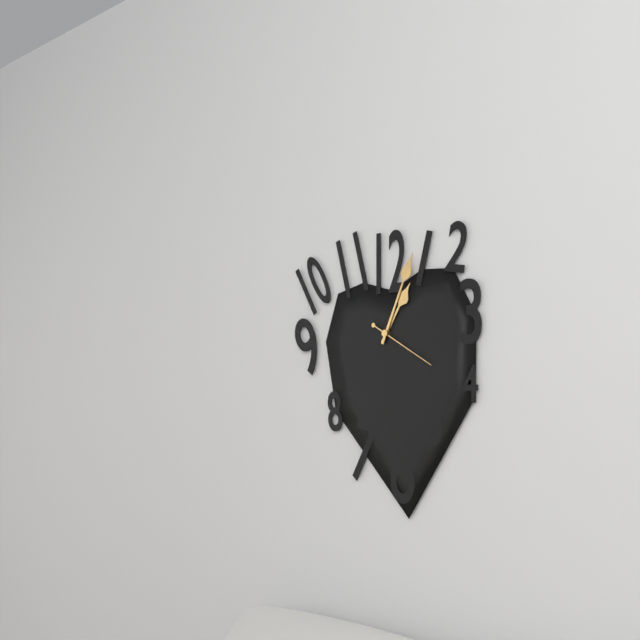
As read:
1,04,20
